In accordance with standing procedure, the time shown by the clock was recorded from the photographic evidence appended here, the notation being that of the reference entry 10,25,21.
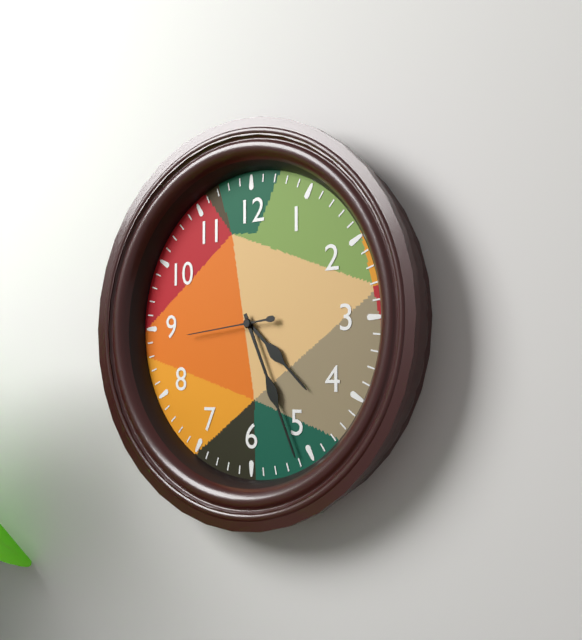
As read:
4,26,44
